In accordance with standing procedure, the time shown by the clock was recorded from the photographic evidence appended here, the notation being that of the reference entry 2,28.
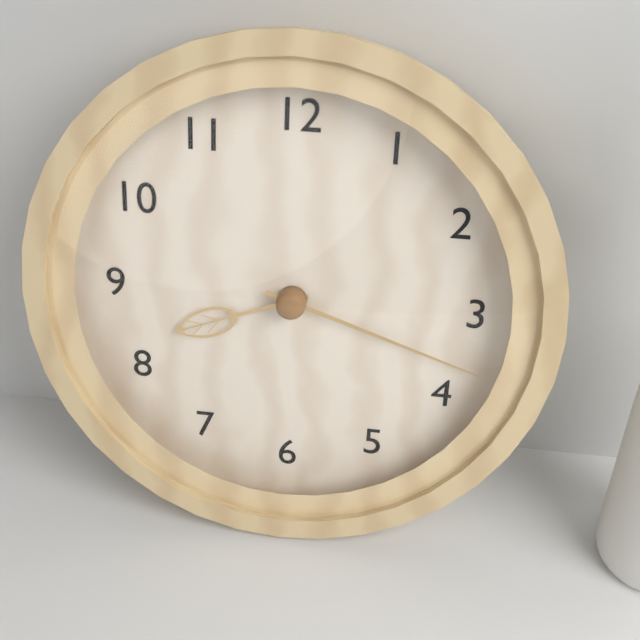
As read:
8,18
